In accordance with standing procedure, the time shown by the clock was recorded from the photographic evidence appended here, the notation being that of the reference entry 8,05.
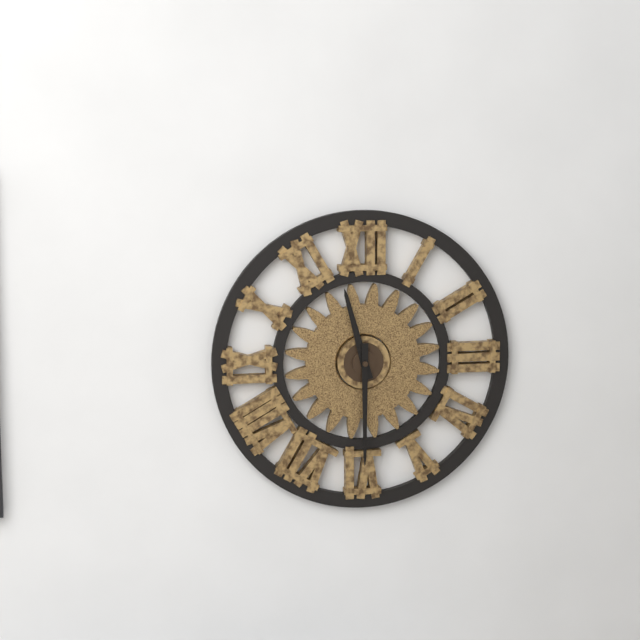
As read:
11,30
